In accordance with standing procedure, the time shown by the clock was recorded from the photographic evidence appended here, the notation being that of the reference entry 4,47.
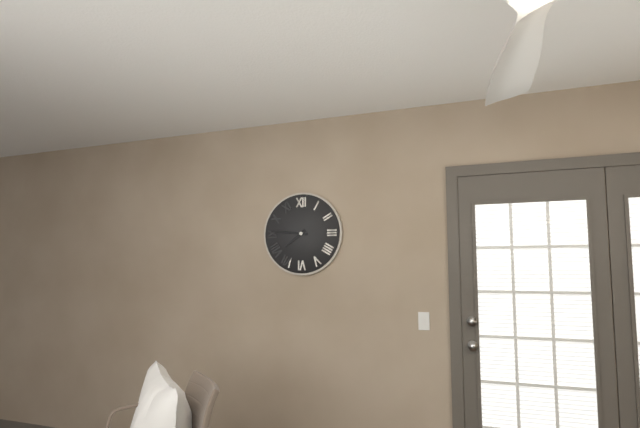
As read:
7,46
